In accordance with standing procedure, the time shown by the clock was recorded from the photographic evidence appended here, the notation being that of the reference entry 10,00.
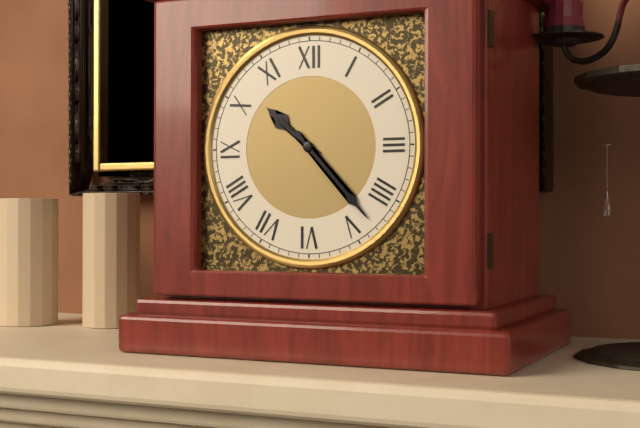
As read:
10,23
